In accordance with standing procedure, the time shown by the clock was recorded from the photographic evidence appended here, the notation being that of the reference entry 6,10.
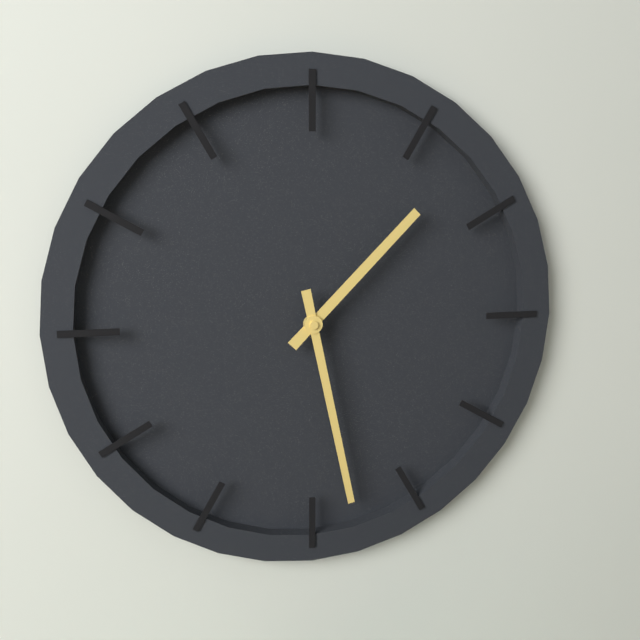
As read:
1,28
